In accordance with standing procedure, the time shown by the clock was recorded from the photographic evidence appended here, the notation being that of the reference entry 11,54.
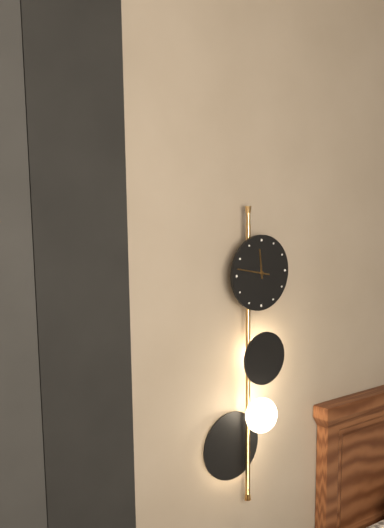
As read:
11,47
